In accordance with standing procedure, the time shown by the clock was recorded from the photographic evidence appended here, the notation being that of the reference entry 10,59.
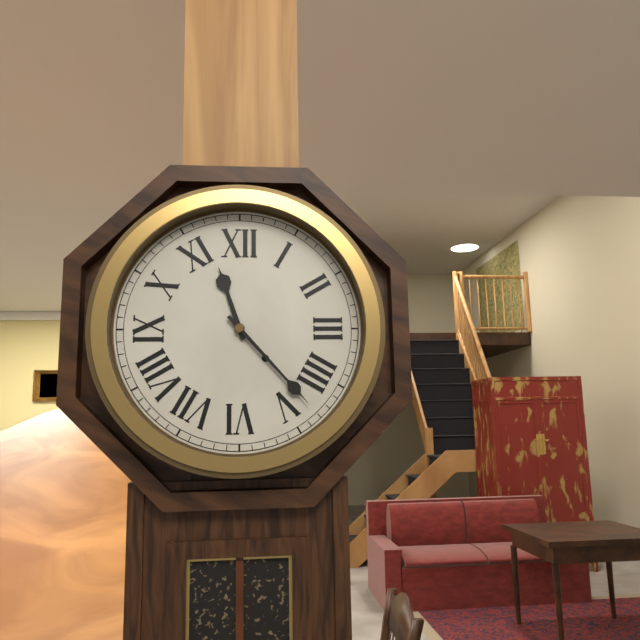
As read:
11,23
